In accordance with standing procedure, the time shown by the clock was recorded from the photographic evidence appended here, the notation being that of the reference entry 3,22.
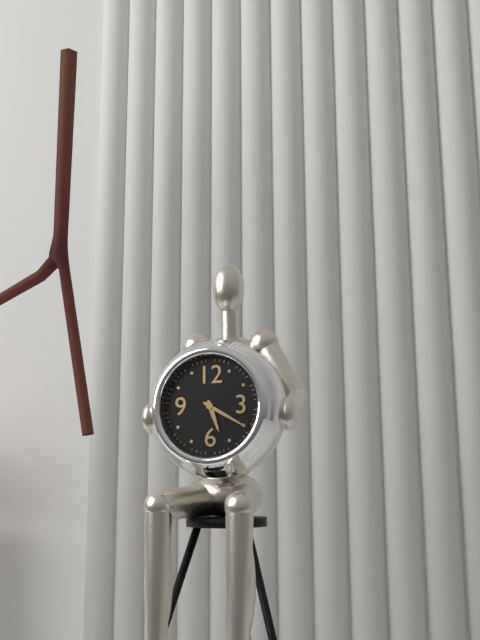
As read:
5,20
